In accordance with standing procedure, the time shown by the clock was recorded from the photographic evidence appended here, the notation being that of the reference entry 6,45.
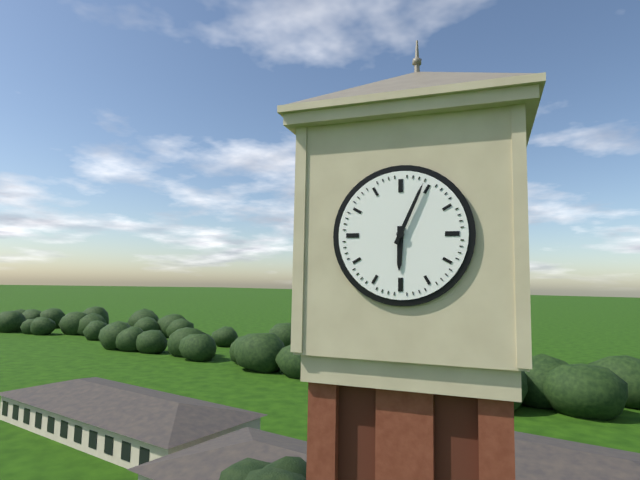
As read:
6,04
